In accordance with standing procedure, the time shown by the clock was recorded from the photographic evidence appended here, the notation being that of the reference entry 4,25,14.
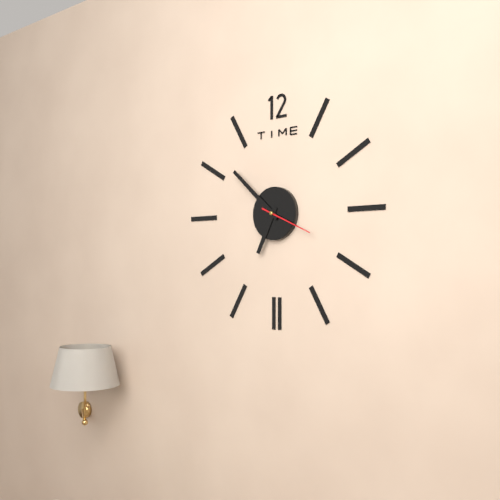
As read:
6,52,19
